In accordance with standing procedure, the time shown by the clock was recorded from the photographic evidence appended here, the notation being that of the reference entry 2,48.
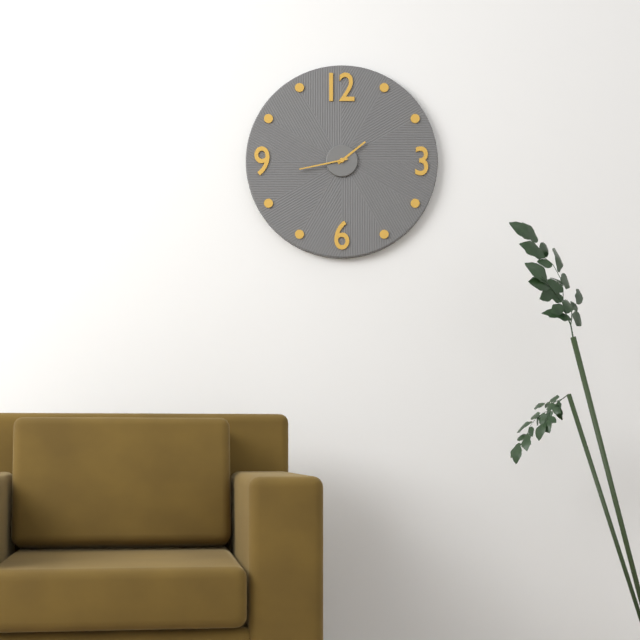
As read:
1,43
